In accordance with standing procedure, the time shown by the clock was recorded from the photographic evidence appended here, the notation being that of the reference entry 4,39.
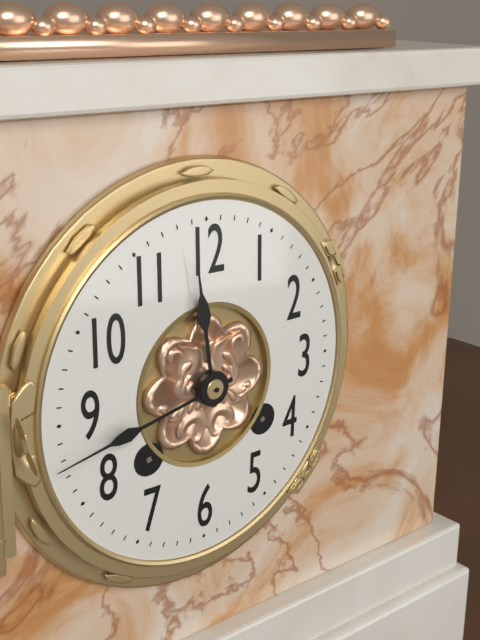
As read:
11,43
